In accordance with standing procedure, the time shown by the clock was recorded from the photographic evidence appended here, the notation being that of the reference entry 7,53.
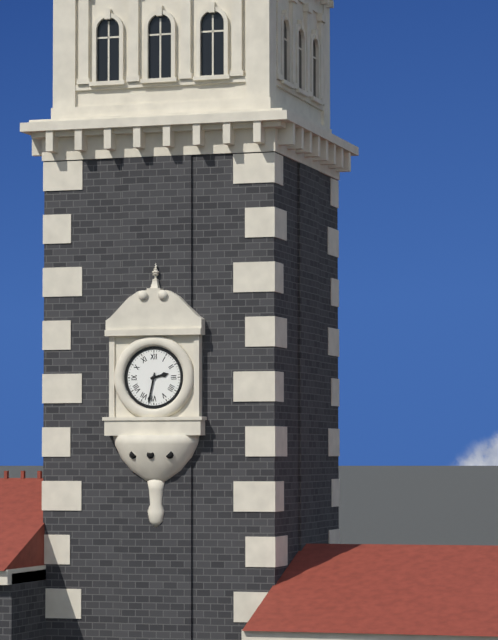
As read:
2,32
